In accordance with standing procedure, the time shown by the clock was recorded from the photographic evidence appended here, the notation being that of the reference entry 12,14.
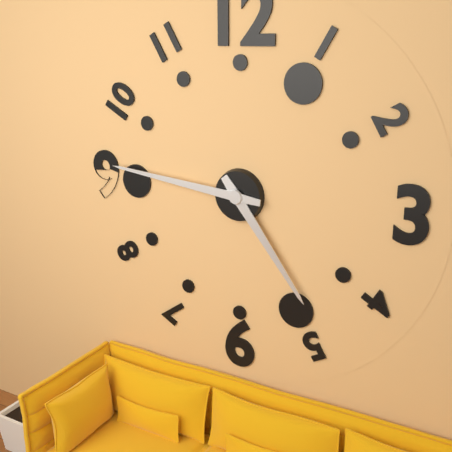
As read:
4,46
